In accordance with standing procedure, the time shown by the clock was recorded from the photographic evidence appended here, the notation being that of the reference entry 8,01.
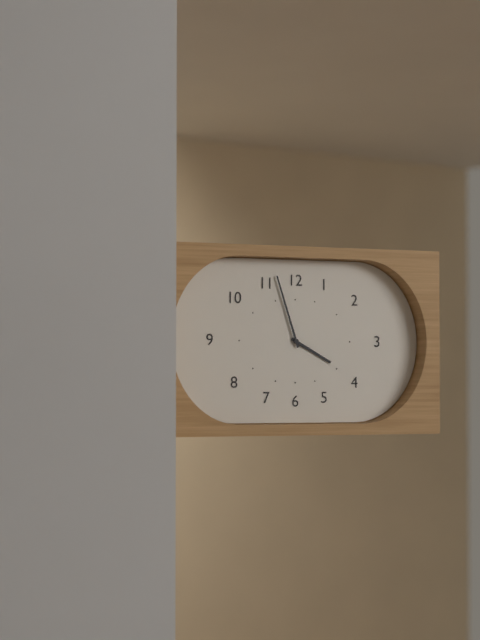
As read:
3,57
